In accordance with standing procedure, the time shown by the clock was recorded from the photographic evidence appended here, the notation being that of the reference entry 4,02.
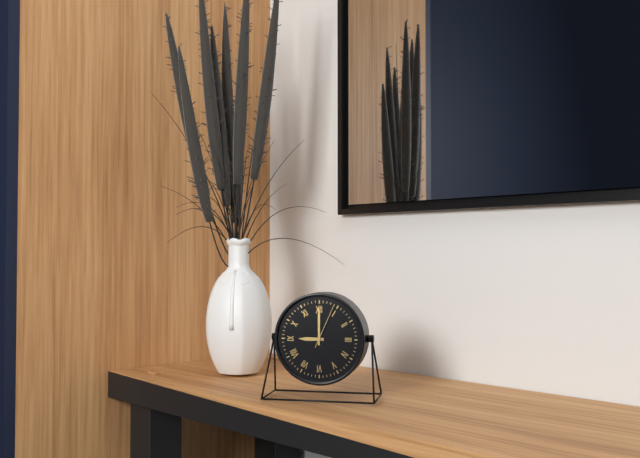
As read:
9,00
